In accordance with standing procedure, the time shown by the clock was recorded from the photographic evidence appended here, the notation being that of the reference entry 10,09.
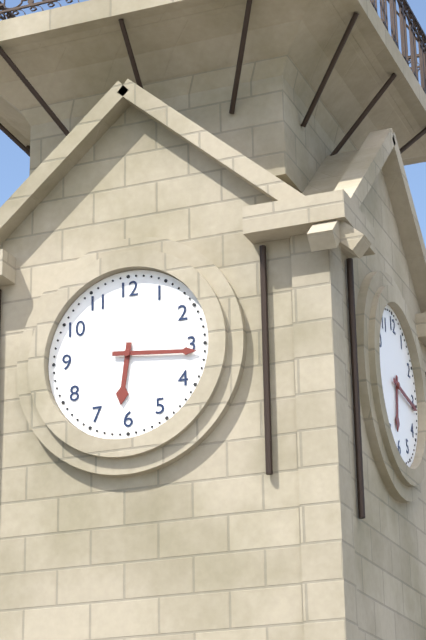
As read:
6,16
